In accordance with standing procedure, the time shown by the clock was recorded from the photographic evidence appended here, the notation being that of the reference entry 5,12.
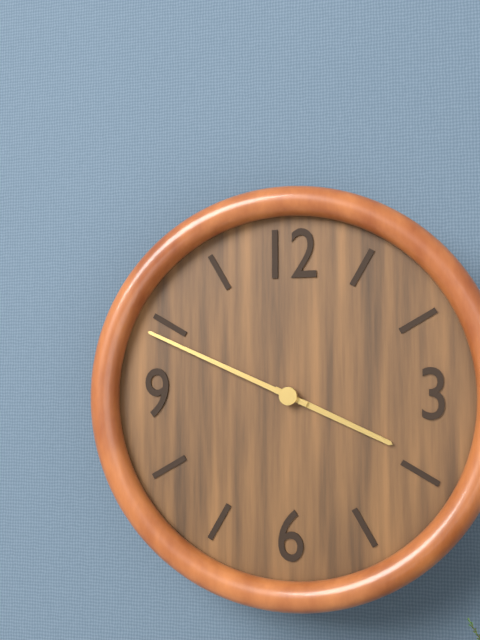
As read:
3,49
